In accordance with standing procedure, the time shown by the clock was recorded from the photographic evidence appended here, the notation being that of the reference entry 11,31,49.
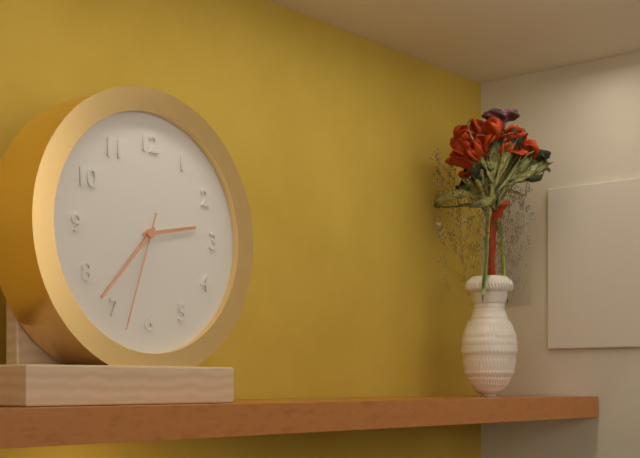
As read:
2,37,33
